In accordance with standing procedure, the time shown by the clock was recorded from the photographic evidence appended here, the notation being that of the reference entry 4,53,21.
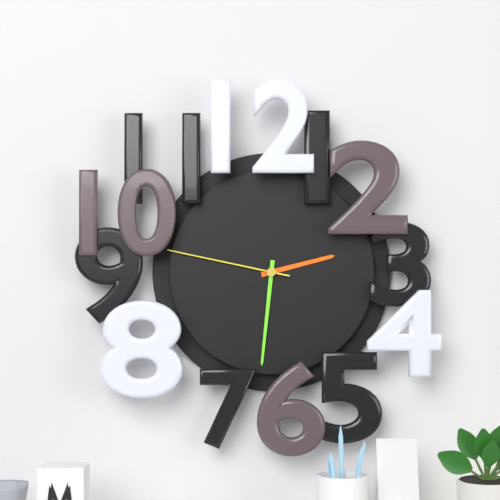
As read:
2,31,47
